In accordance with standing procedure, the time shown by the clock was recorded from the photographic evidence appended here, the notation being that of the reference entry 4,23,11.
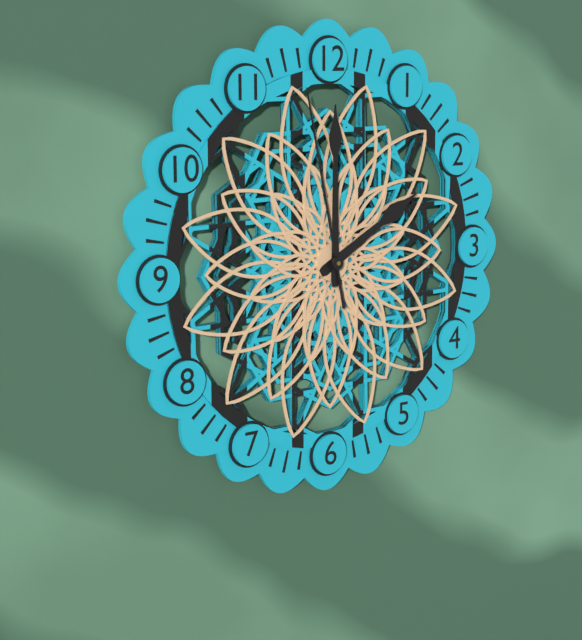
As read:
2,00,58
